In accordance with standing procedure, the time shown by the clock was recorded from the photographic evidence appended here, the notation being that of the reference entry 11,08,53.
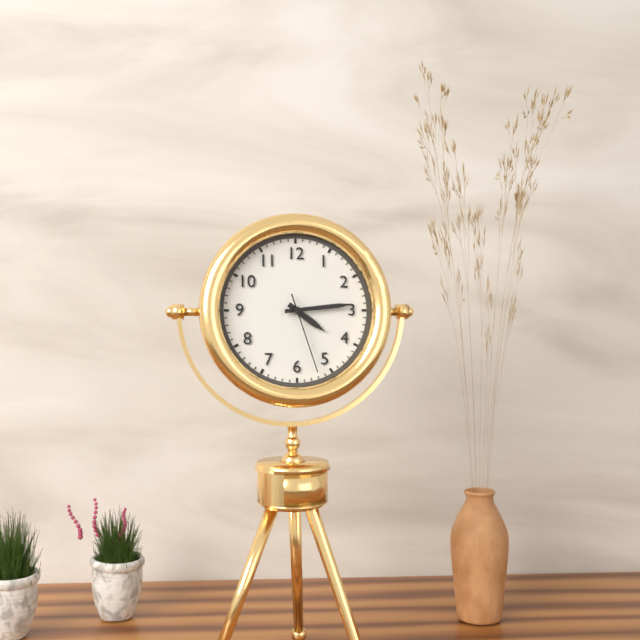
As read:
4,14,27
